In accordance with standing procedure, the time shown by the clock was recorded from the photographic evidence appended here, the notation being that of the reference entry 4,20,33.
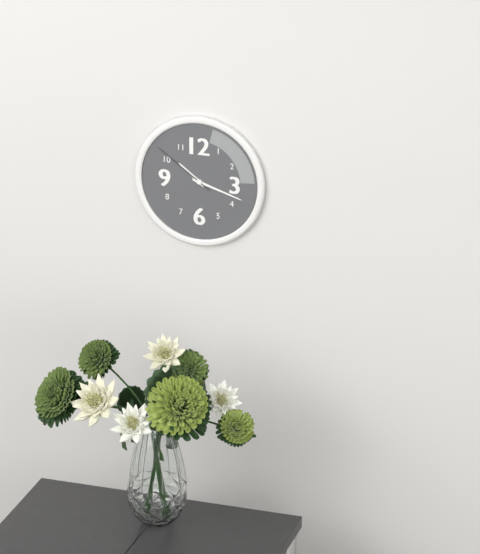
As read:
10,18,51
